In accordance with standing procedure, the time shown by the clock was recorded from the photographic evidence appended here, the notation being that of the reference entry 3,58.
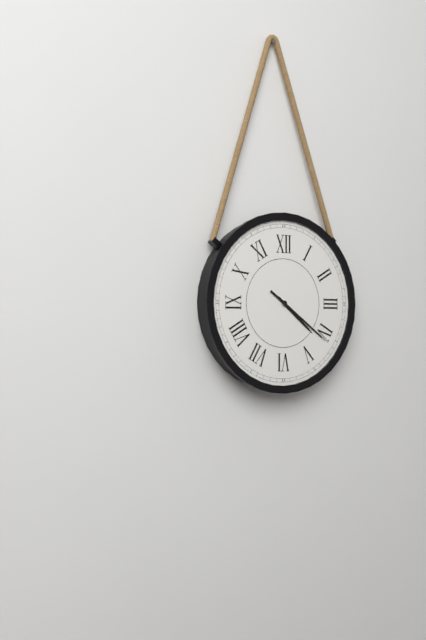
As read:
4,21
